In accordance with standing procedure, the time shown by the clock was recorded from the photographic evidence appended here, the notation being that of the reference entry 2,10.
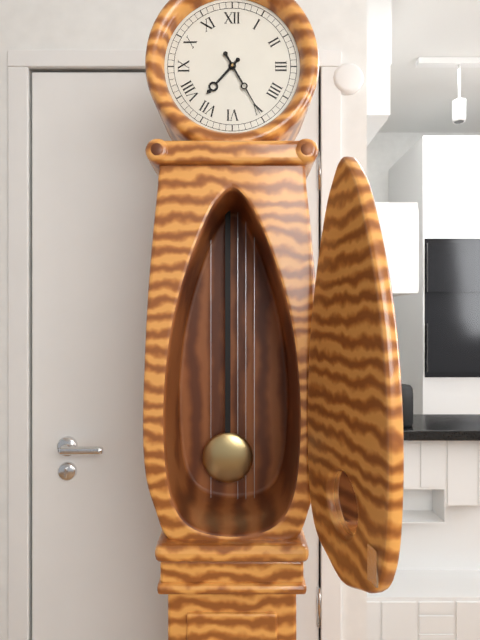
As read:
7,25
